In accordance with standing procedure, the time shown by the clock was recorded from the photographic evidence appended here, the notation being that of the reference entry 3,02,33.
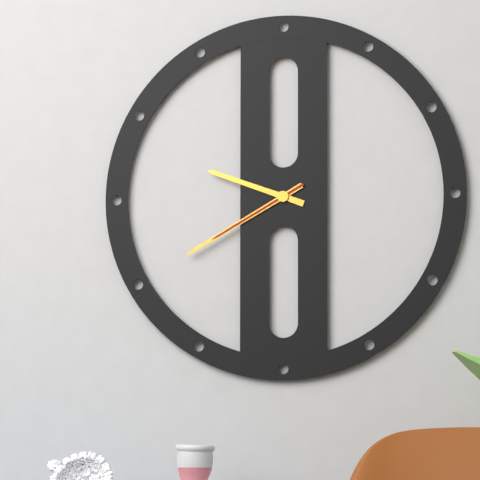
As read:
9,40,40
